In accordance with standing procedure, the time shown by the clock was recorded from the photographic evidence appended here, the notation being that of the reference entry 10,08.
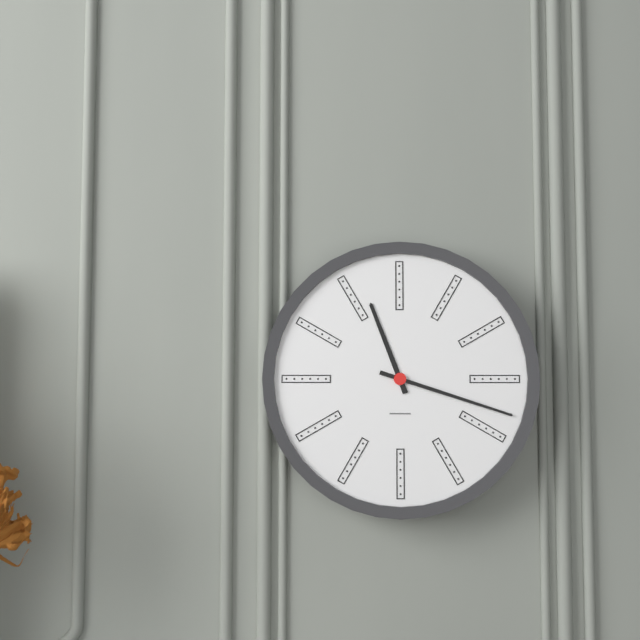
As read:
11,18
